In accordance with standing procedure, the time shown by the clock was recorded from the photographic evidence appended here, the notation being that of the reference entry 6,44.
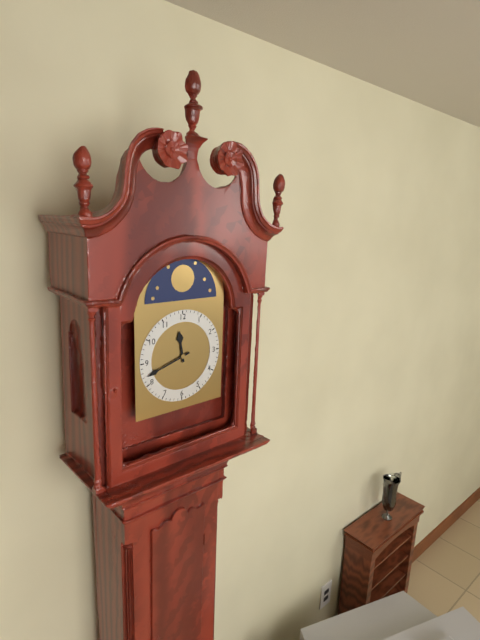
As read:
11,42
